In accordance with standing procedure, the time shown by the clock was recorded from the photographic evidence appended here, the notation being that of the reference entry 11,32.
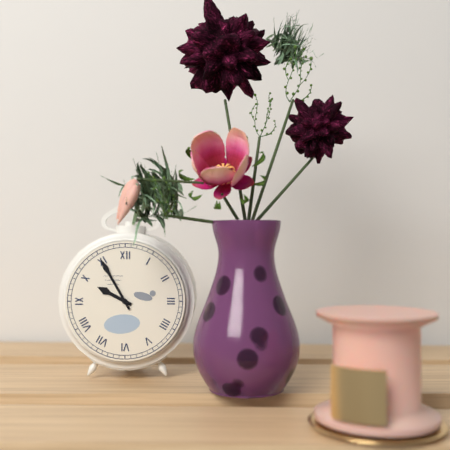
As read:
9,55
